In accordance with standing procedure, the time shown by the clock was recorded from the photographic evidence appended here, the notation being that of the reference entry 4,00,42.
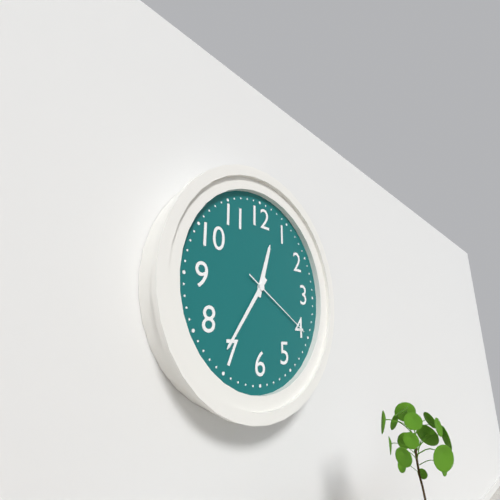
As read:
12,36,20
